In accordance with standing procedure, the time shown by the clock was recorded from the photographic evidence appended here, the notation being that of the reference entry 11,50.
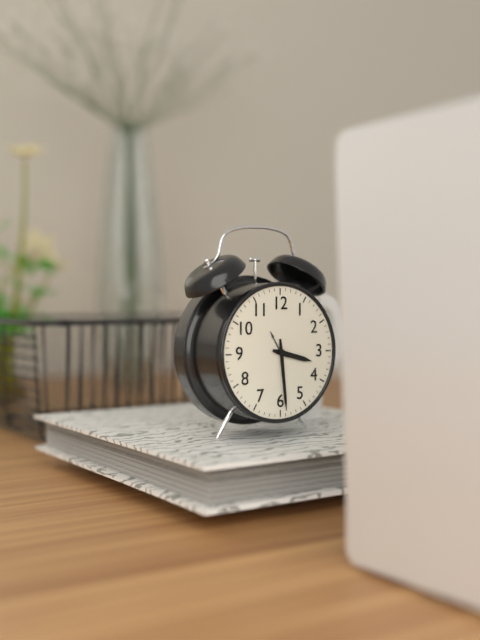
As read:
3,29
